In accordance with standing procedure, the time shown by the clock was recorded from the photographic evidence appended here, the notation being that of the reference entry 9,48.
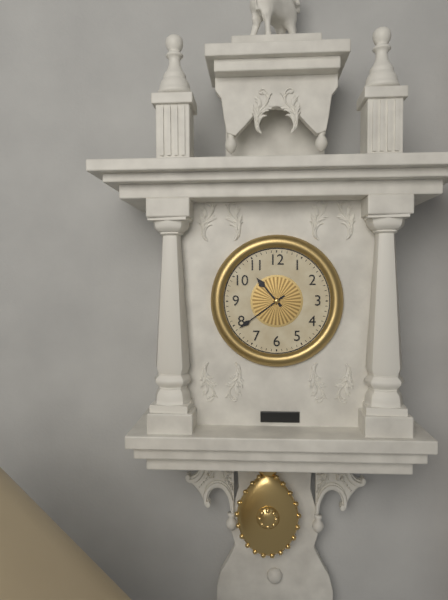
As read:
10,39
